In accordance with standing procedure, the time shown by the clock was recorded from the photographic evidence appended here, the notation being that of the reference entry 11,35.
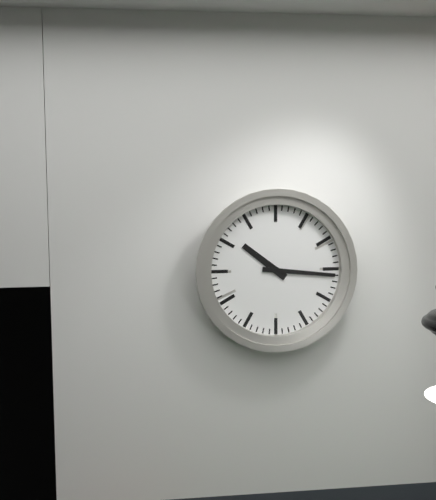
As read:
10,16
